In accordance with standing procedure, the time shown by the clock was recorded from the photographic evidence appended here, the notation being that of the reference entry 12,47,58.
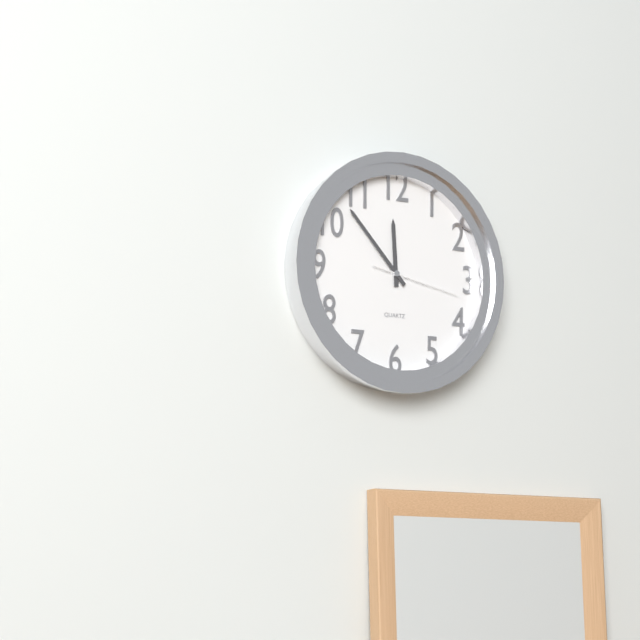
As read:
11,53,17
